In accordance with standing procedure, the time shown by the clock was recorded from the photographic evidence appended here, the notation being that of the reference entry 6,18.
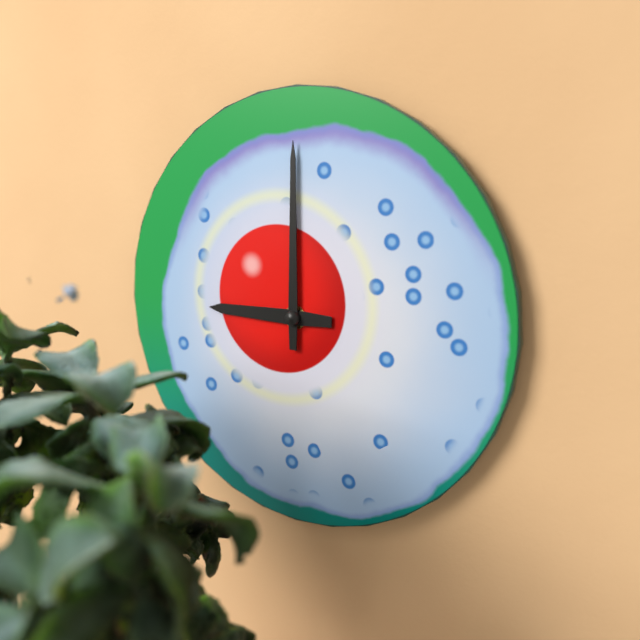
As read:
9,00
